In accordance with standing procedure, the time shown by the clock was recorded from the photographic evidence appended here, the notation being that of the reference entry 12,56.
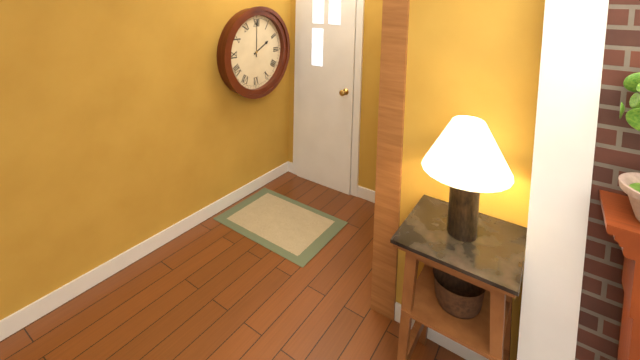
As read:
2,00
